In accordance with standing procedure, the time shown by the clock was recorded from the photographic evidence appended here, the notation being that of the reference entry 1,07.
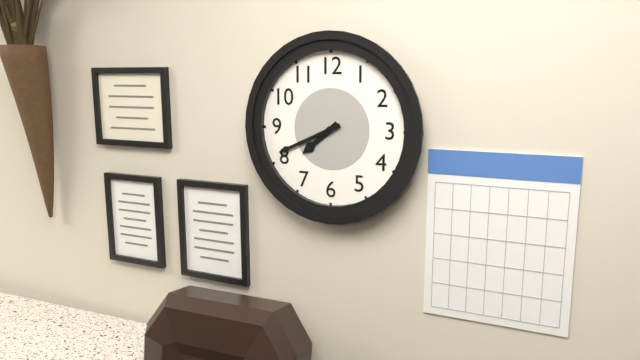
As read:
7,41
